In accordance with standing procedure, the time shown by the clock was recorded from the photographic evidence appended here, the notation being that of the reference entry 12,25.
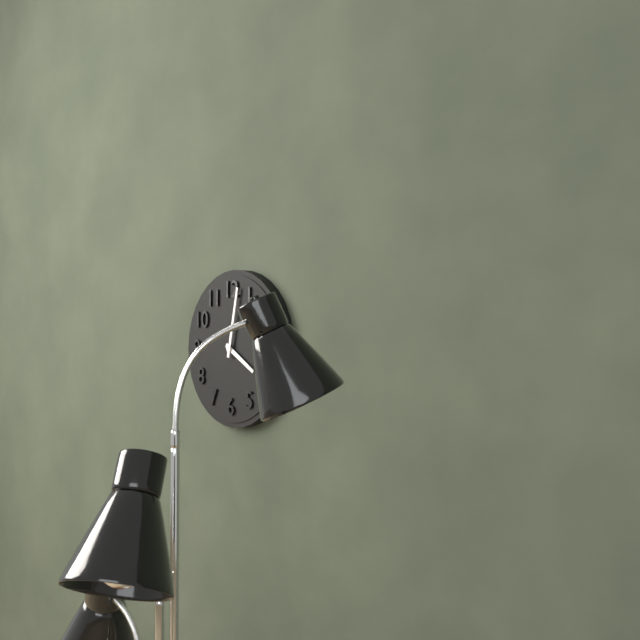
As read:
4,02
